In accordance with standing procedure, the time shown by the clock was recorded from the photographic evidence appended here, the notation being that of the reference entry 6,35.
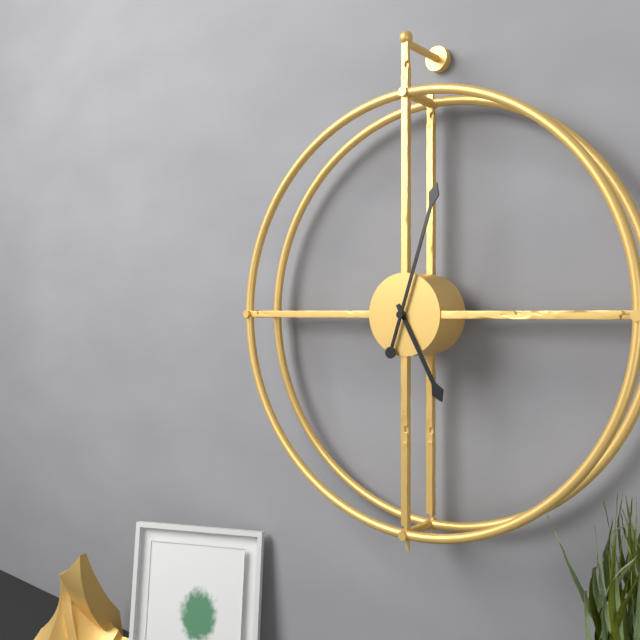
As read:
5,03
